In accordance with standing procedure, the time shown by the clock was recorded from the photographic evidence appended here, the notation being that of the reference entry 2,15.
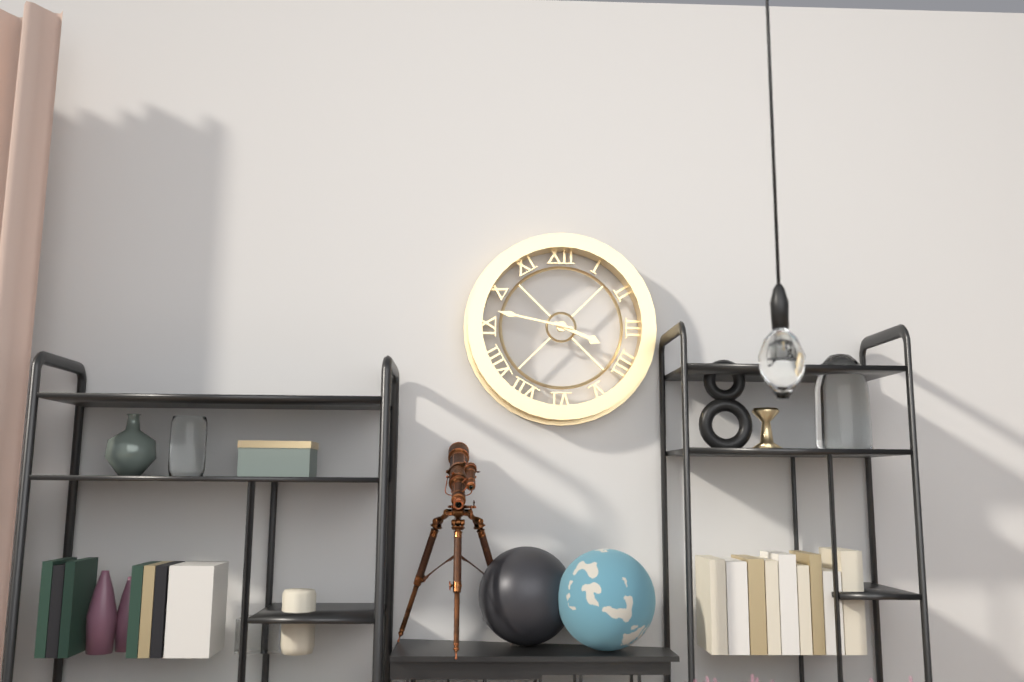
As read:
3,47
